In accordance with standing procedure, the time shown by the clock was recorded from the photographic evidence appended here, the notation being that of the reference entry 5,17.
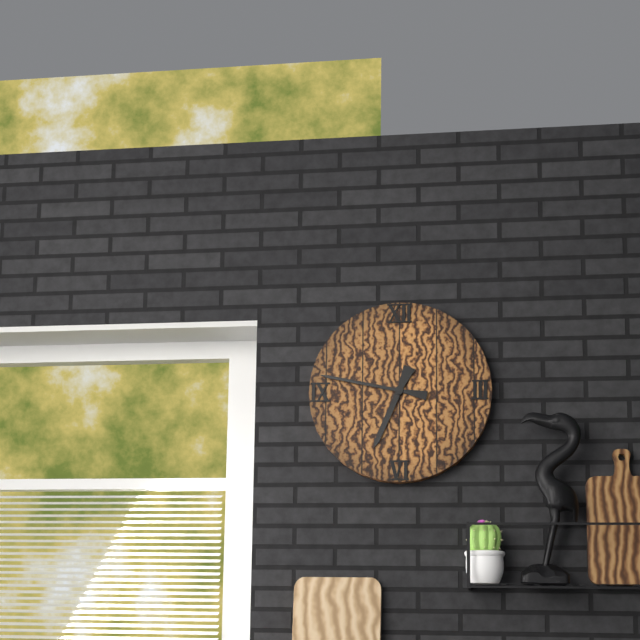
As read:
6,47
